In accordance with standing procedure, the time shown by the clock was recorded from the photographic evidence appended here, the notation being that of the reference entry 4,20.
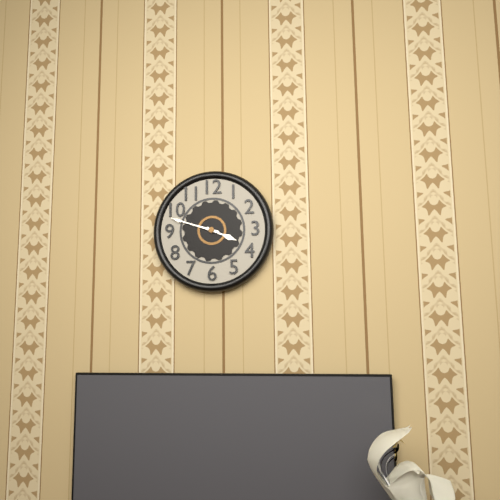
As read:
3,48
